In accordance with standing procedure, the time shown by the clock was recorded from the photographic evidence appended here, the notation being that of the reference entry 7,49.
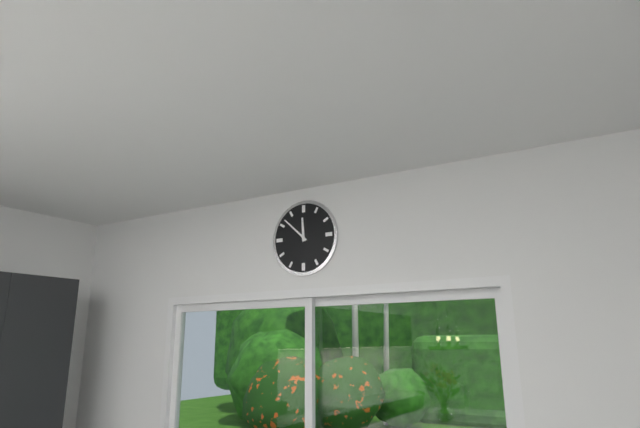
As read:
11,52
